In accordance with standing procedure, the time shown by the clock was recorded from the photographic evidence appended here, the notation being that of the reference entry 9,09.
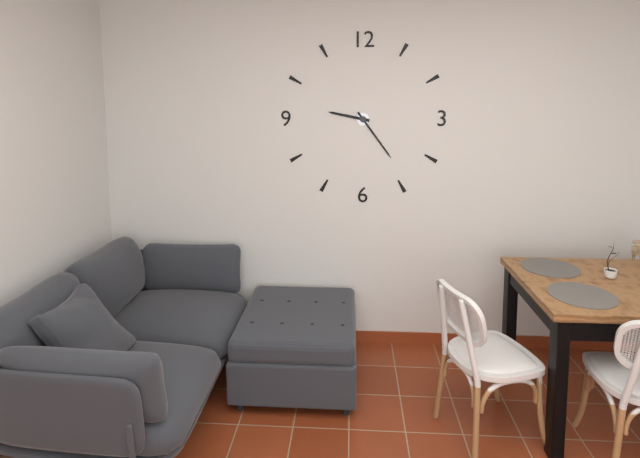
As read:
9,24
